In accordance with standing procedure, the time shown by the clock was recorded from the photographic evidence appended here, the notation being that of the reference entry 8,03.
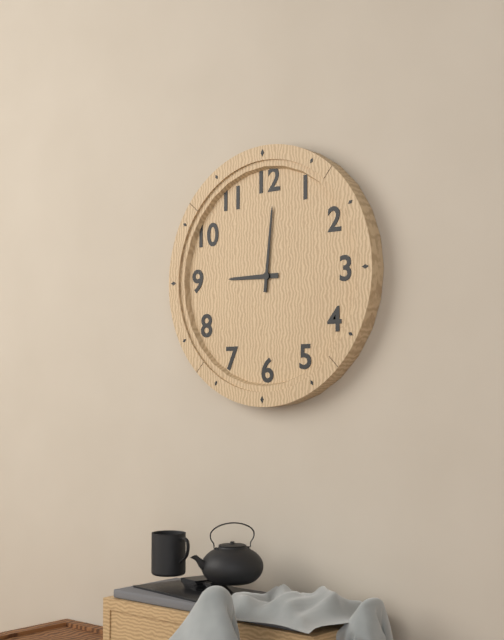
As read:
9,01
